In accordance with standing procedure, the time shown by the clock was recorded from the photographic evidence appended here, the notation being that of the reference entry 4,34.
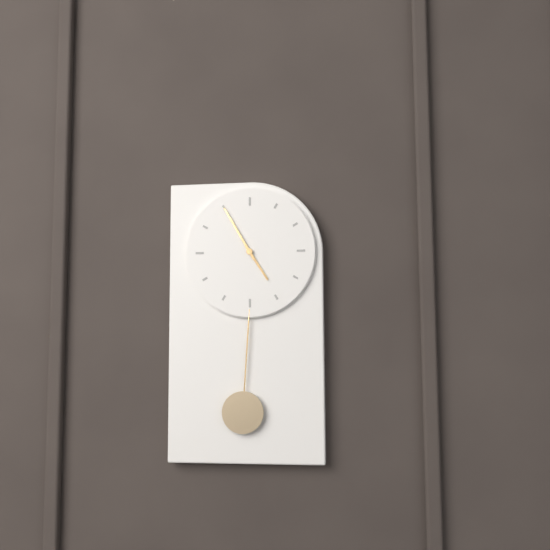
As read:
4,55
